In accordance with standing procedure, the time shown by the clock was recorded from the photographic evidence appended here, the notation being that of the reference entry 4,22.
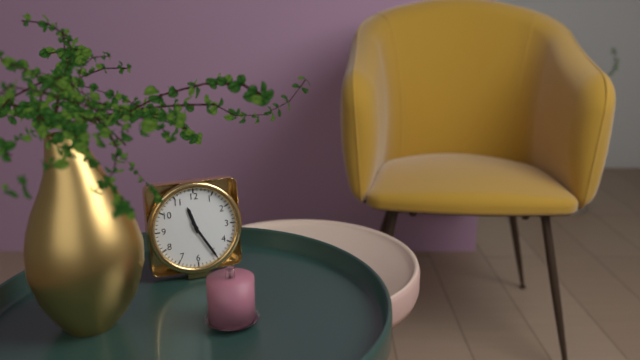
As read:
11,25
